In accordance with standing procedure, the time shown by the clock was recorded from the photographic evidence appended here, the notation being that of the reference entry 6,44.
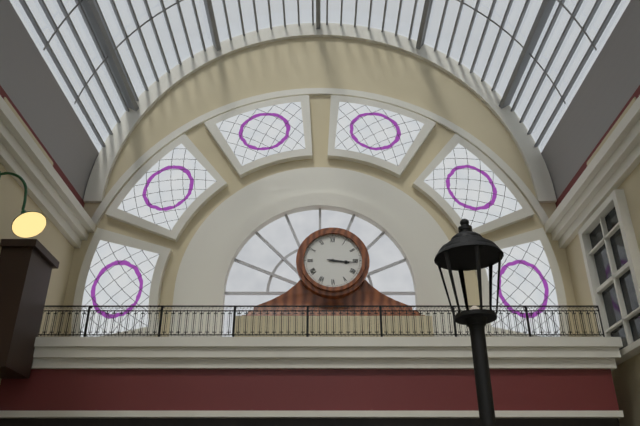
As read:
3,16
